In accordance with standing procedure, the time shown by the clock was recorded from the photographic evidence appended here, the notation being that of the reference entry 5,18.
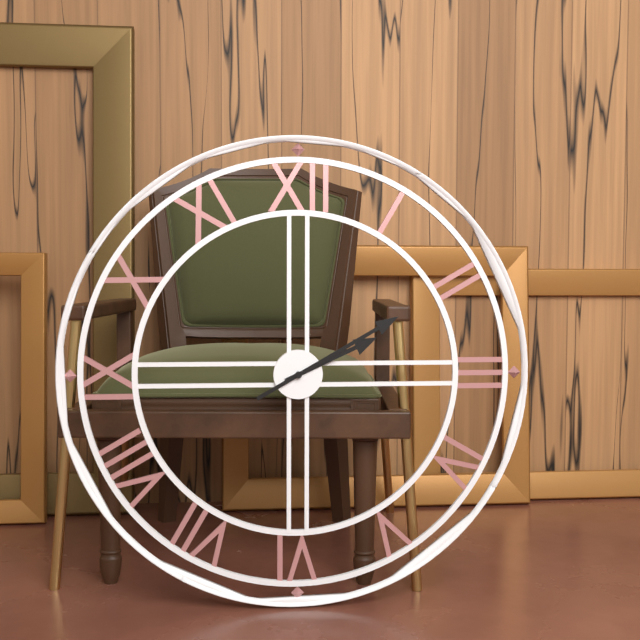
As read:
2,10
